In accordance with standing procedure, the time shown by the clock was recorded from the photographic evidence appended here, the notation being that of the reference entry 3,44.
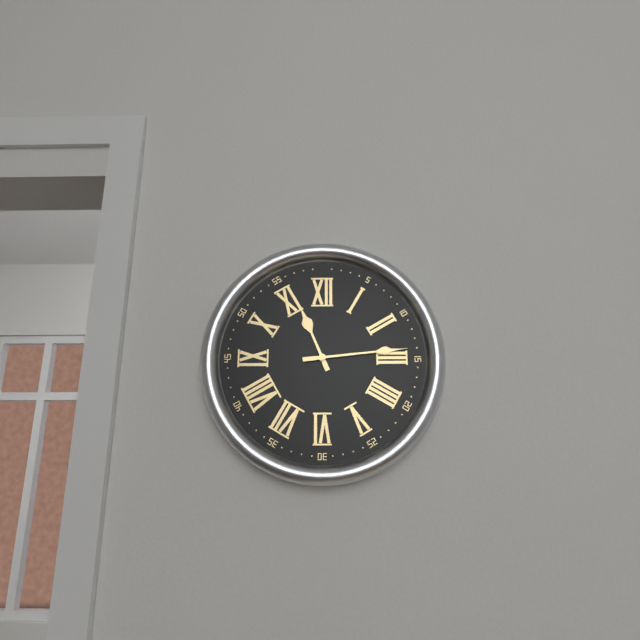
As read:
11,14
